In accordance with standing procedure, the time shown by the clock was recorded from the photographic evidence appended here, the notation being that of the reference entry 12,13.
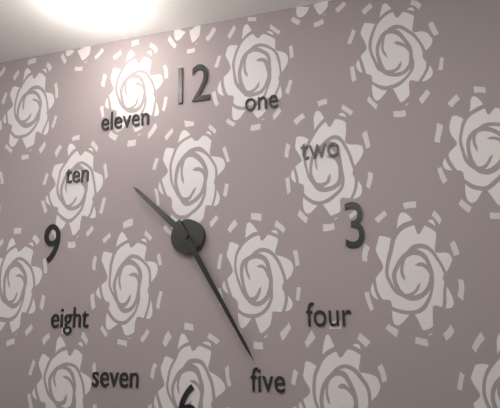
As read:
10,25
